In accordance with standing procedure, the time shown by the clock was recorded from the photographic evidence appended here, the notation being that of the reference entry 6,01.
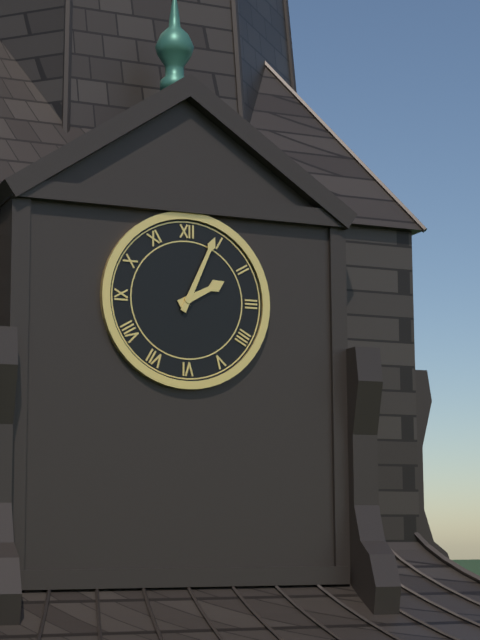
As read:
2,04
